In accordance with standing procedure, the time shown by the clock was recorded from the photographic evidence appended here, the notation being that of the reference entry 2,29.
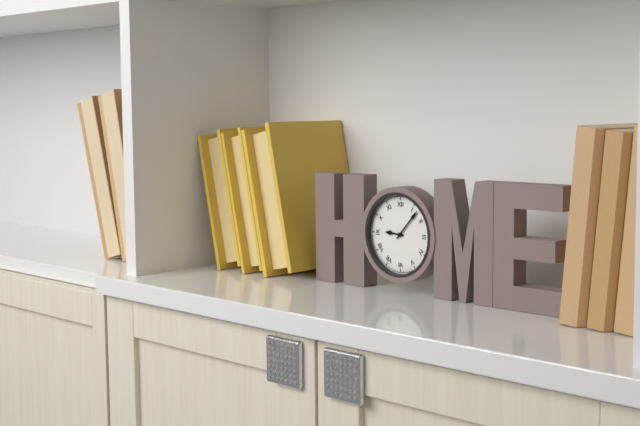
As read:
9,07
